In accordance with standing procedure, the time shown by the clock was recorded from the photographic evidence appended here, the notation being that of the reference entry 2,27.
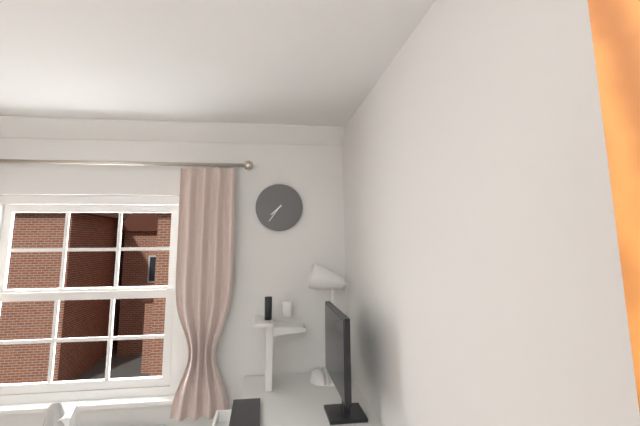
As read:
7,36
